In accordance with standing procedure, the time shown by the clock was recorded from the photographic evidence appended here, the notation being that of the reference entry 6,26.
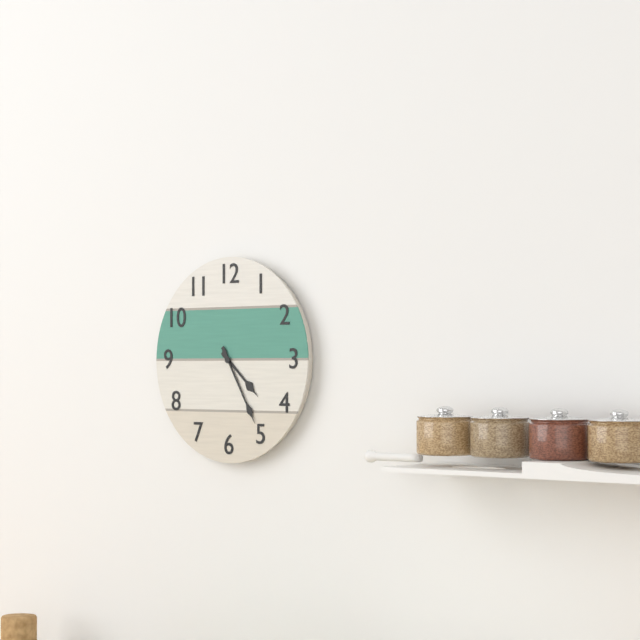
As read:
4,25
